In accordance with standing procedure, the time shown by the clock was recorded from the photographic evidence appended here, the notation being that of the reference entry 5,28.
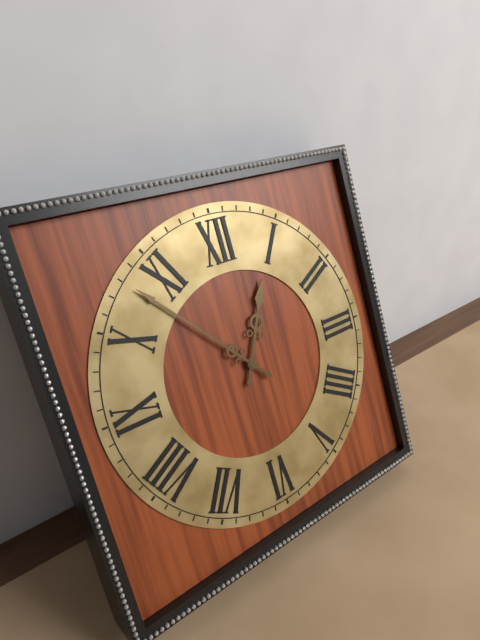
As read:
12,53
